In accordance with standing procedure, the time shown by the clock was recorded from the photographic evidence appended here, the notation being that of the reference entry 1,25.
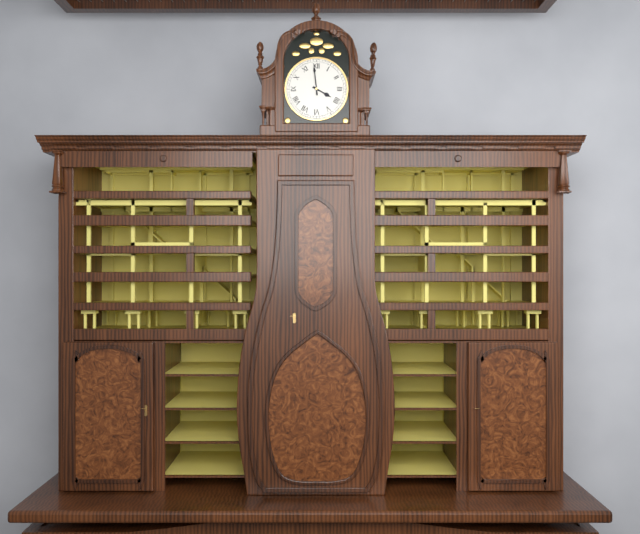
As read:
3,59
